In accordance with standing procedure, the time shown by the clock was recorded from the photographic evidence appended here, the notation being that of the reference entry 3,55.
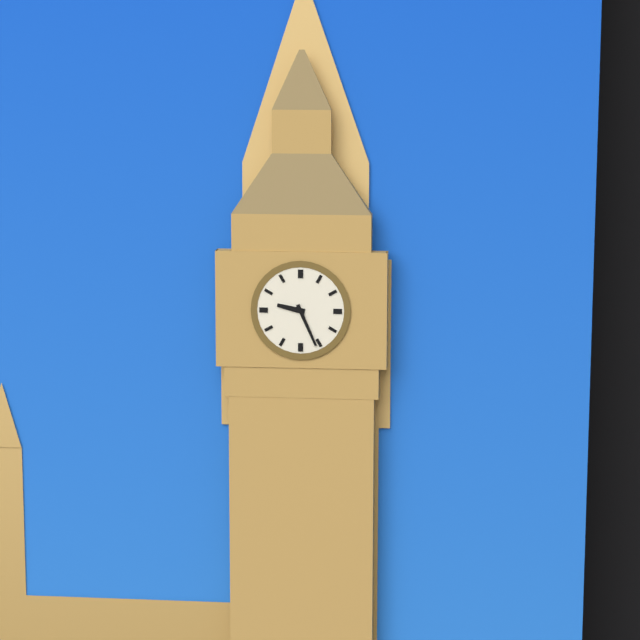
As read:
9,26
